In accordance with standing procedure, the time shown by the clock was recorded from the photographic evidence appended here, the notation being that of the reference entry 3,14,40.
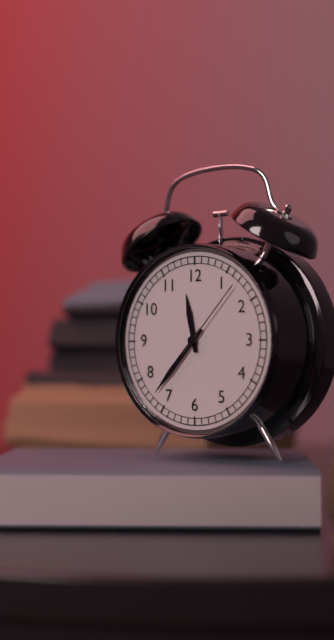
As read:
11,37,07
